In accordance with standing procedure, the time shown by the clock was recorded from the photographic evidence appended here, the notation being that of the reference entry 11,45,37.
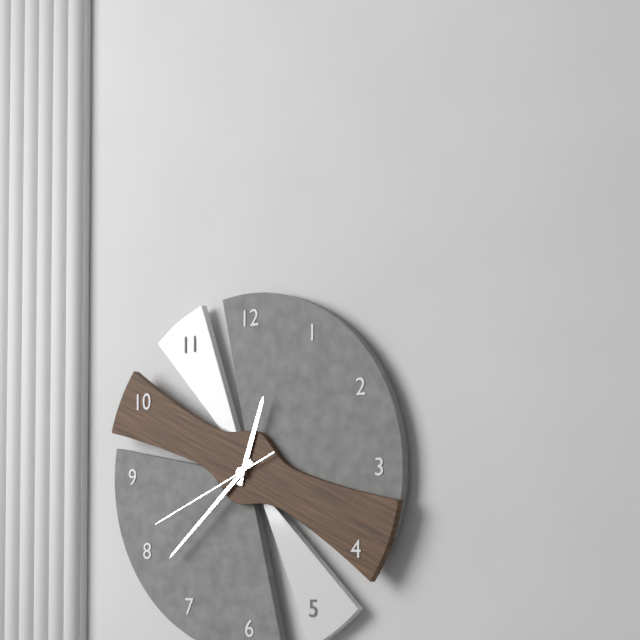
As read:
12,38,41
